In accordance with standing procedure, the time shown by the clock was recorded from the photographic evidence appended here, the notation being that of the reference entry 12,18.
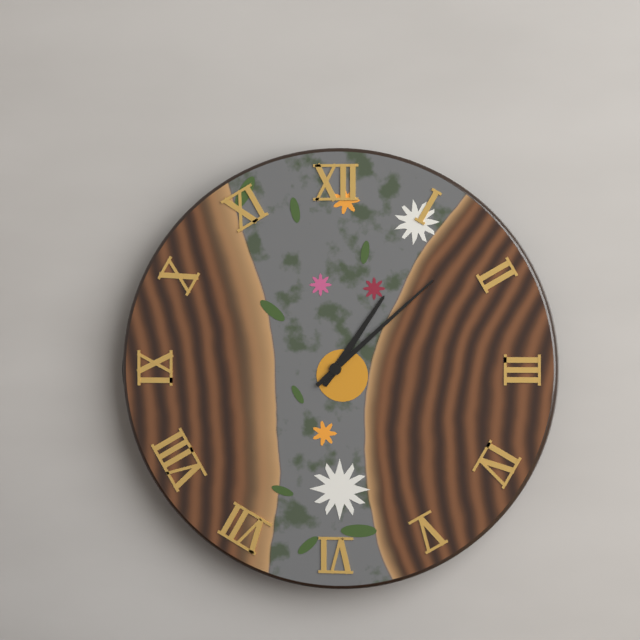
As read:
1,08
